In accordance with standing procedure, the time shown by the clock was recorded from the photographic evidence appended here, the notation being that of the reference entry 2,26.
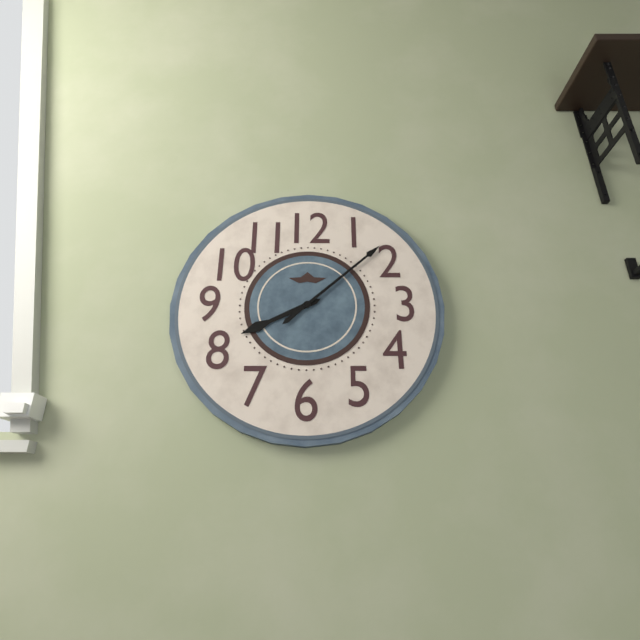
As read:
8,08
